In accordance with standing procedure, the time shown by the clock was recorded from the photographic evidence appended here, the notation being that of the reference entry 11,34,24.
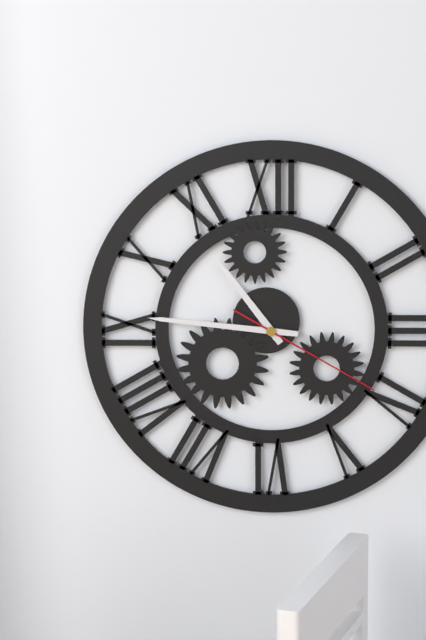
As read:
10,46,20
